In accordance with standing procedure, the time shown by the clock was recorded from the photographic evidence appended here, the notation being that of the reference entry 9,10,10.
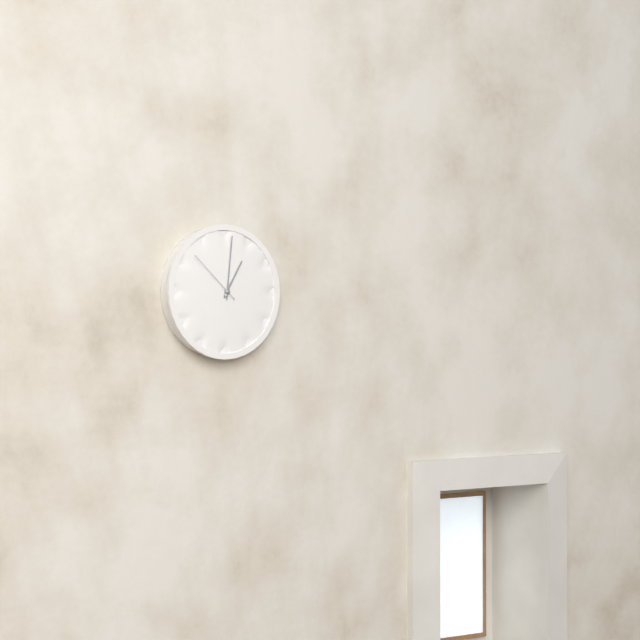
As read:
1,01,52
